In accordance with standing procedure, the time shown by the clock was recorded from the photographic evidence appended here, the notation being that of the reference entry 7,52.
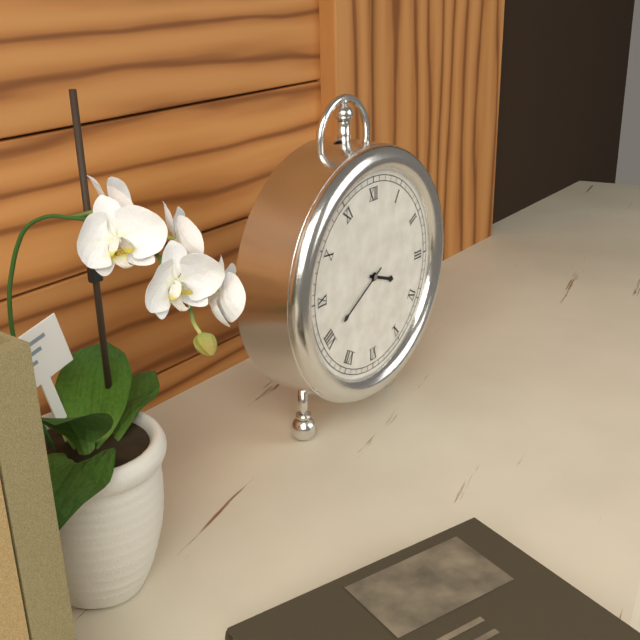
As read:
3,40
